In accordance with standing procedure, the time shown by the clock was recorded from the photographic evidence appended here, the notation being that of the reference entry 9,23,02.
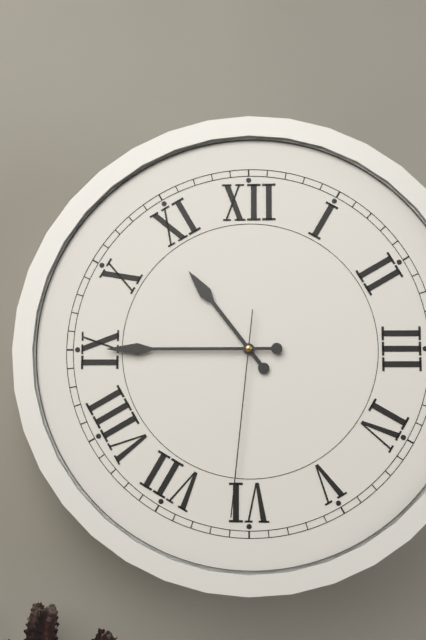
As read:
10,45,31
